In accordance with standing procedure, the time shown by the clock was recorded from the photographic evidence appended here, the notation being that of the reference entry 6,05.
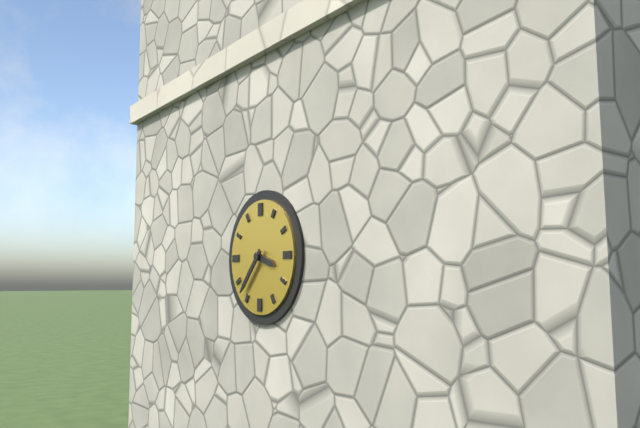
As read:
3,37
